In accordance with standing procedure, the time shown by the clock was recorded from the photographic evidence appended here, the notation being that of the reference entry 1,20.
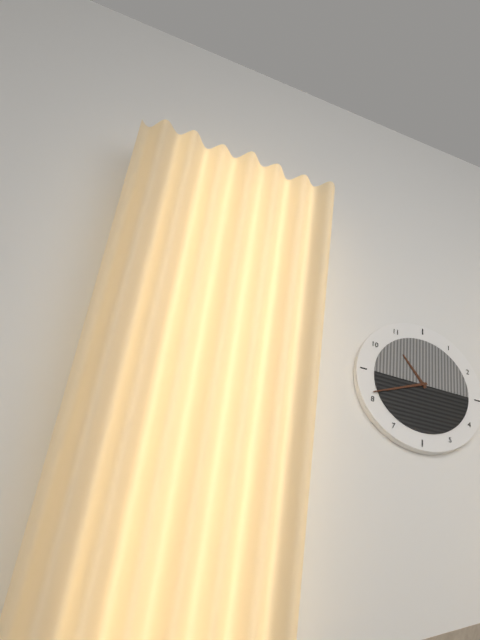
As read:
10,41
